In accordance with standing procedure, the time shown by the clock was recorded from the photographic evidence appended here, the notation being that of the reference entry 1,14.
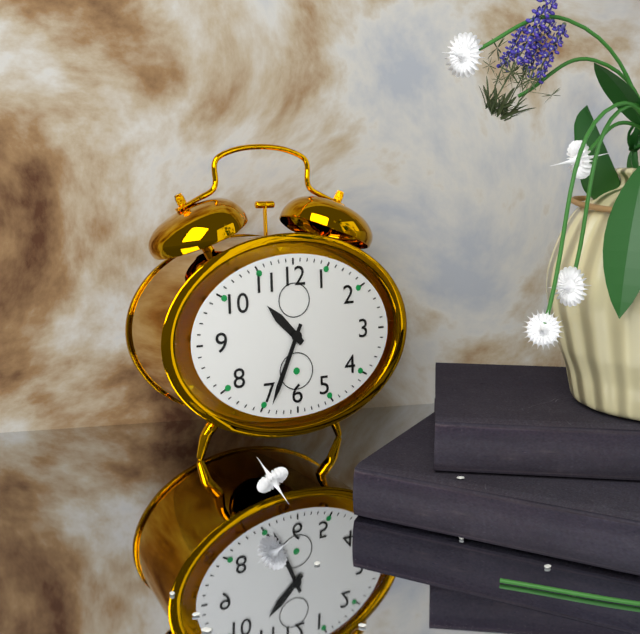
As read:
10,34
